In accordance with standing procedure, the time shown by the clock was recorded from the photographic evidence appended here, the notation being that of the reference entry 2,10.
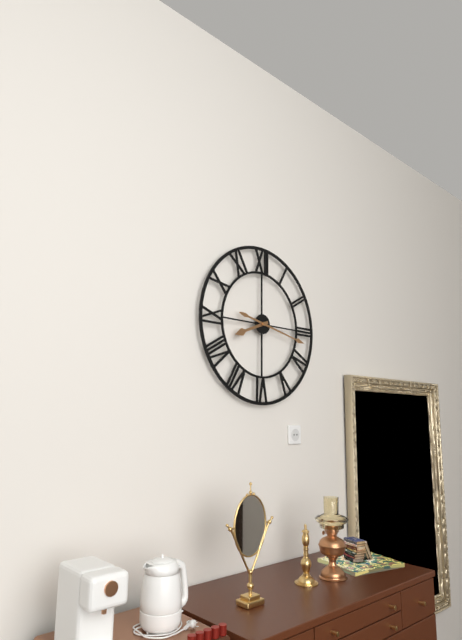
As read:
8,17
